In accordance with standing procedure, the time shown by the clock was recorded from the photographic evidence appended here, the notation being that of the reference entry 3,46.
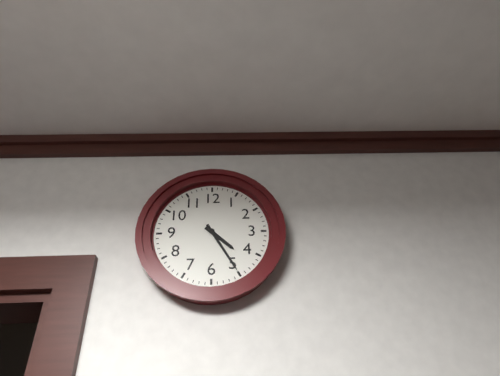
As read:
4,25
